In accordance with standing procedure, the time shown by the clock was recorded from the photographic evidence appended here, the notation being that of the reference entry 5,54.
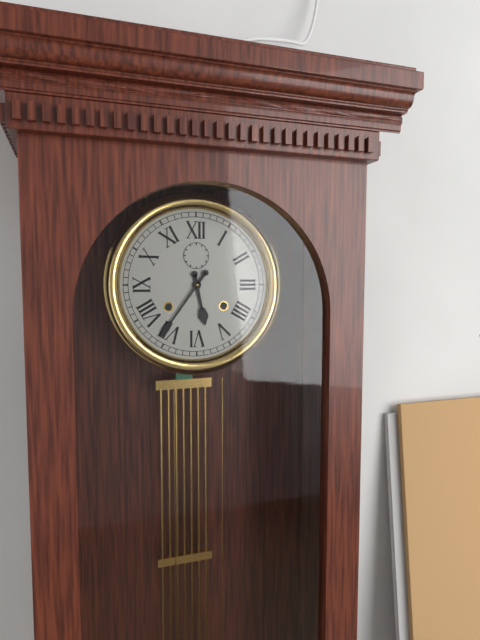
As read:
5,36
